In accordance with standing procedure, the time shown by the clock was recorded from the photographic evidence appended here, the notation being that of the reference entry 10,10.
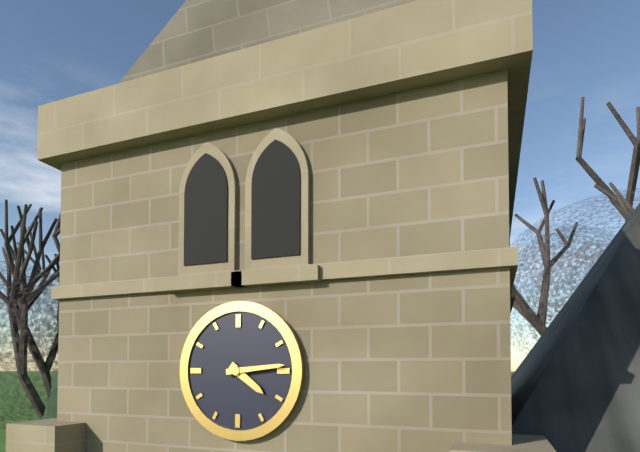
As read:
4,14
